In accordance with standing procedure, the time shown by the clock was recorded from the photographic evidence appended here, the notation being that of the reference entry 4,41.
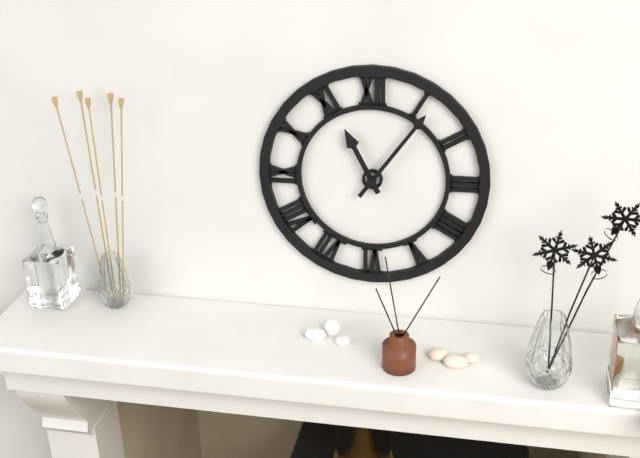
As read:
11,06
